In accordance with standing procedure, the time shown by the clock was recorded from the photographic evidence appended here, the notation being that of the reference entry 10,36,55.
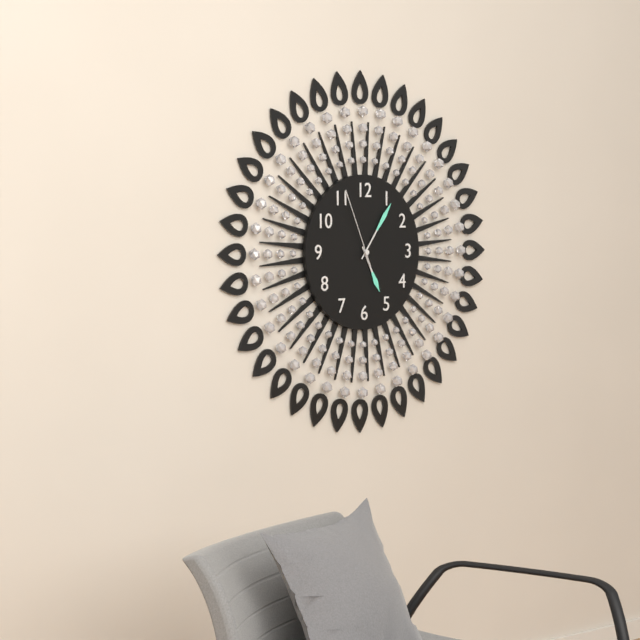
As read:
5,06,56
